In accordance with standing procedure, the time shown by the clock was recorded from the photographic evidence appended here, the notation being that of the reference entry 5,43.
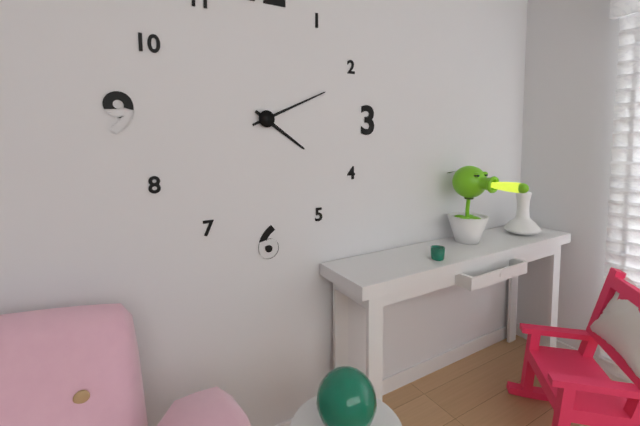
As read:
4,11
